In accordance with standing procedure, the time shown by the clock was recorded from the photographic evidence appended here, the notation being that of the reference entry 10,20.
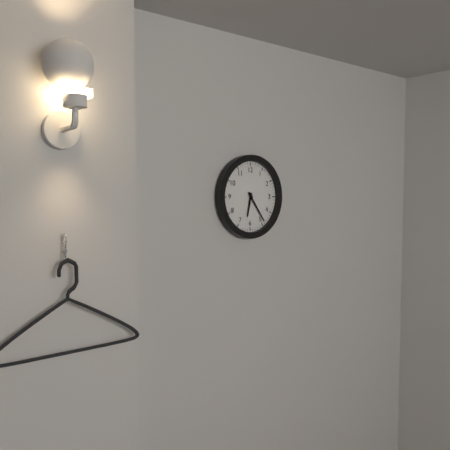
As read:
6,24
